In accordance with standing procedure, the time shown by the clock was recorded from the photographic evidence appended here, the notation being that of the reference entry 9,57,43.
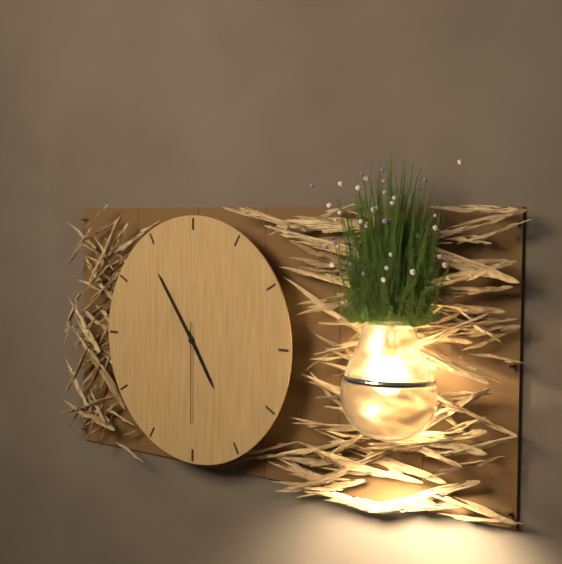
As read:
4,54,30
